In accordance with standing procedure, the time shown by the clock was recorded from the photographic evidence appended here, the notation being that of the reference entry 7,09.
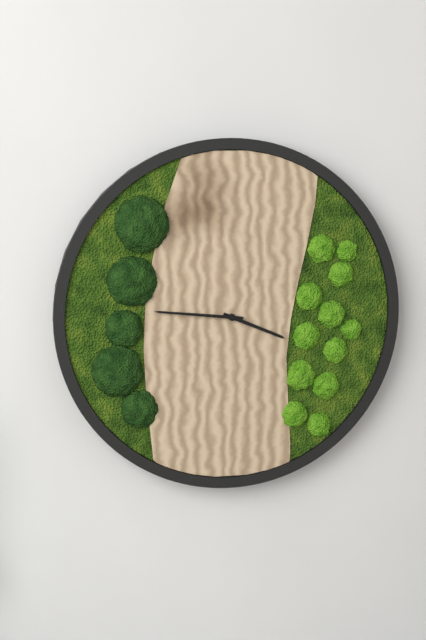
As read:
3,46
